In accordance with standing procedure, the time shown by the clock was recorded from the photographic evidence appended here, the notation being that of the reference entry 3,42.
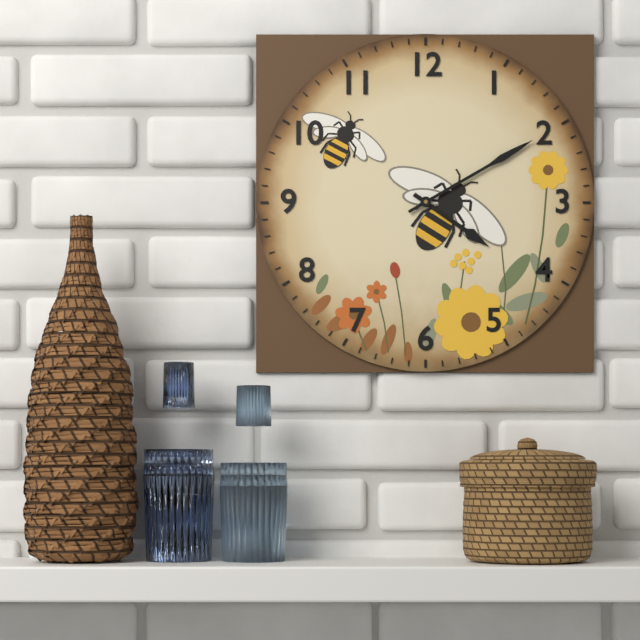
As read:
4,10
